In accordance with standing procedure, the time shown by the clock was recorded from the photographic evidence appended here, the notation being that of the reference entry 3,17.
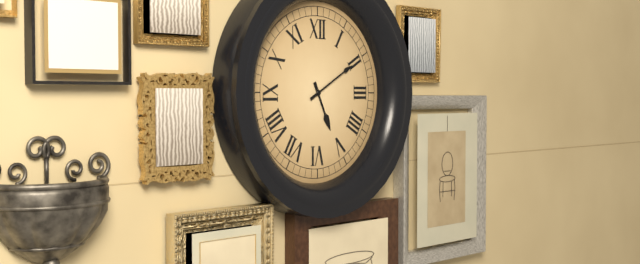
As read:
5,10
